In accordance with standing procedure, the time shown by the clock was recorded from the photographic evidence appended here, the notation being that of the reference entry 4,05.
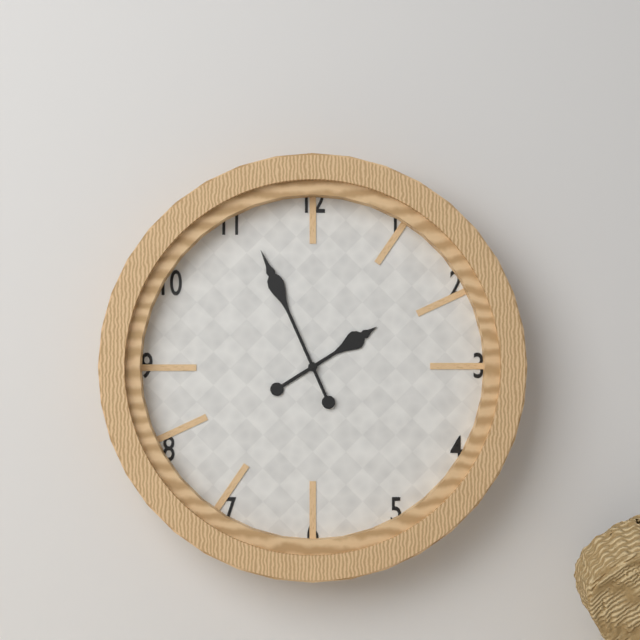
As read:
1,56
